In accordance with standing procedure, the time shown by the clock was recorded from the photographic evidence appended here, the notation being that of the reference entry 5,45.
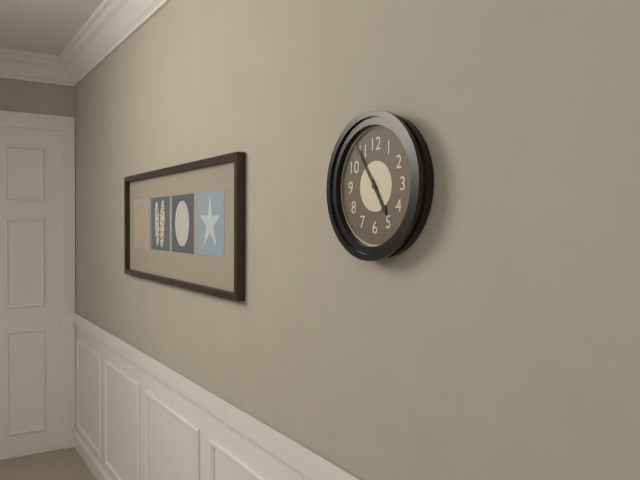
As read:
4,54
